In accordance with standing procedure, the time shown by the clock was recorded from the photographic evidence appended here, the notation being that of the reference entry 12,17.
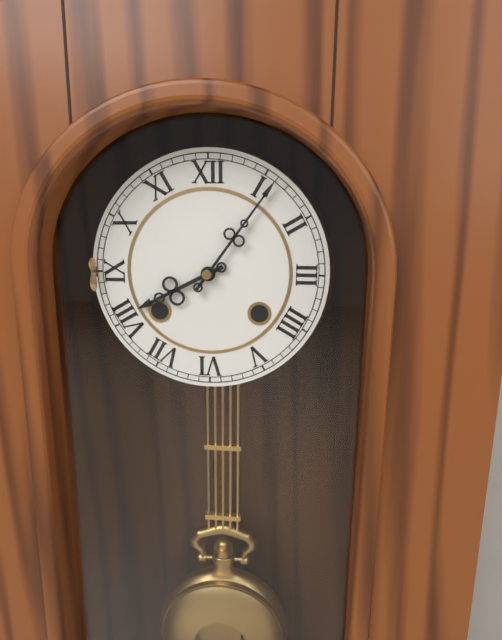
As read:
8,06
